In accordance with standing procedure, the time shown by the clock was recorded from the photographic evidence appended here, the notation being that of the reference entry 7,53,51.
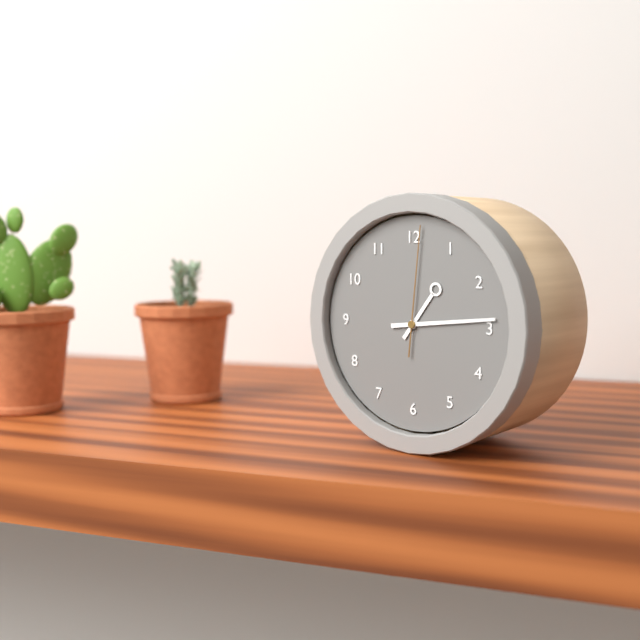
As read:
1,14,01
